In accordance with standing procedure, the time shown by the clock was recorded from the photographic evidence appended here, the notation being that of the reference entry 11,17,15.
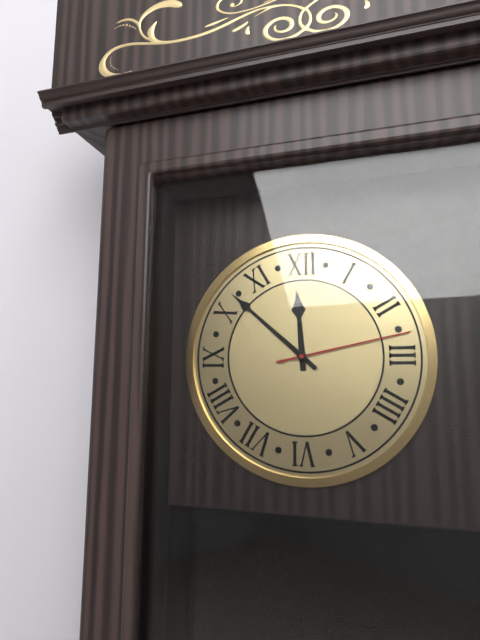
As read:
11,52,13
